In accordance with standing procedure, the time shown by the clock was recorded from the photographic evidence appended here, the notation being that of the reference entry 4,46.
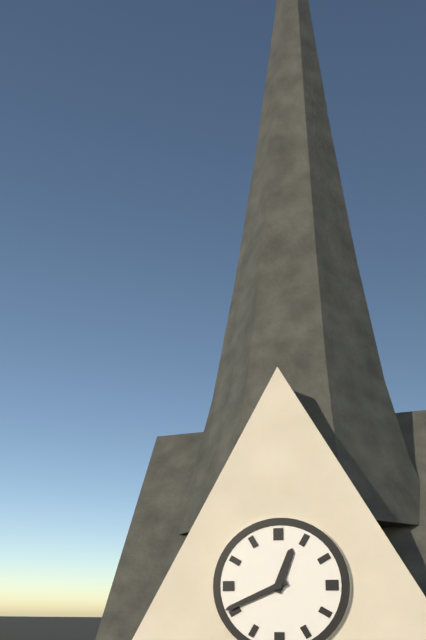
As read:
12,41
